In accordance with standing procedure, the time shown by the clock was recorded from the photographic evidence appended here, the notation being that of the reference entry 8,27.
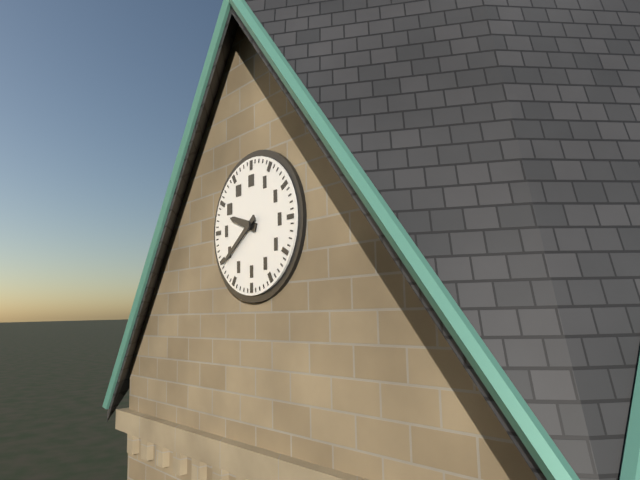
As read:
9,39
